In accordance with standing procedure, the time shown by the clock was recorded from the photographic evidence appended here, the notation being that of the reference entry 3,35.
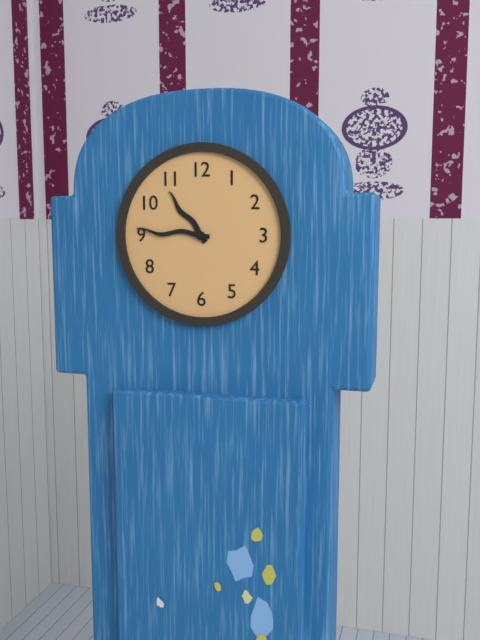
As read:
10,46
